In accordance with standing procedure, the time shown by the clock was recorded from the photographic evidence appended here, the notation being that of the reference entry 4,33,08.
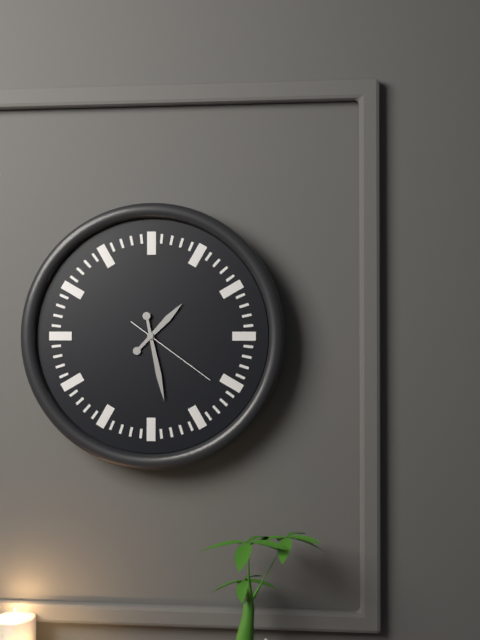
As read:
1,28,21
